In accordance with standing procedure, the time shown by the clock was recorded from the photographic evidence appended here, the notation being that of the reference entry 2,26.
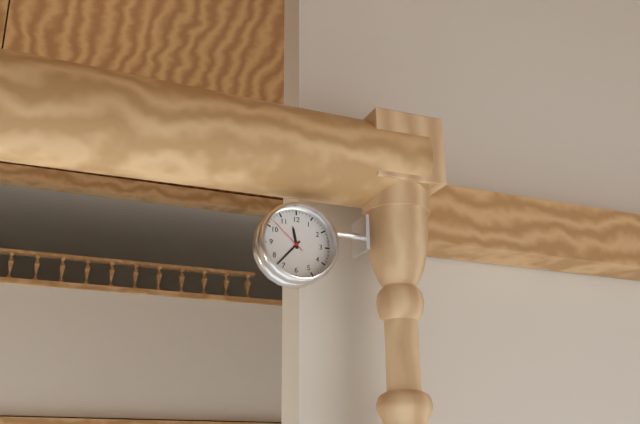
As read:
11,37
